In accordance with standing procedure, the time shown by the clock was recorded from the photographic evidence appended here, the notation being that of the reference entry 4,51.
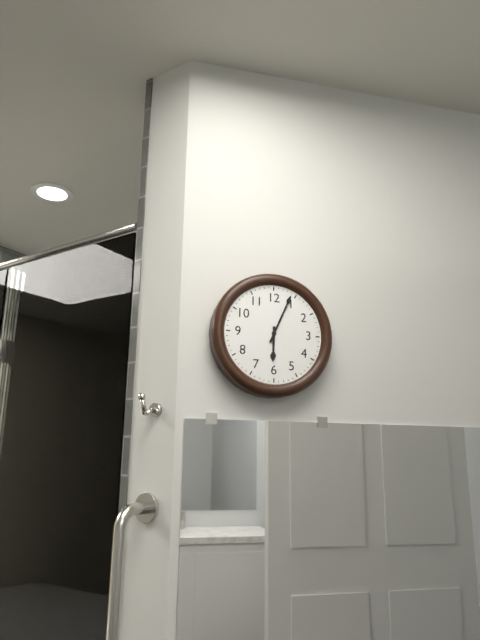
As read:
6,04
